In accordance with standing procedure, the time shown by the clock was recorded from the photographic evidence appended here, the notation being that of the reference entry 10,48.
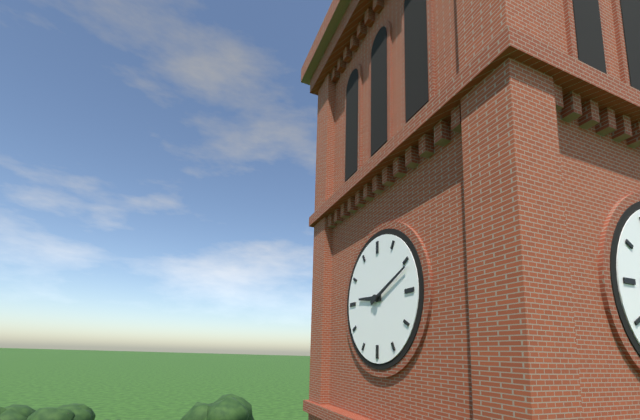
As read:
9,11
